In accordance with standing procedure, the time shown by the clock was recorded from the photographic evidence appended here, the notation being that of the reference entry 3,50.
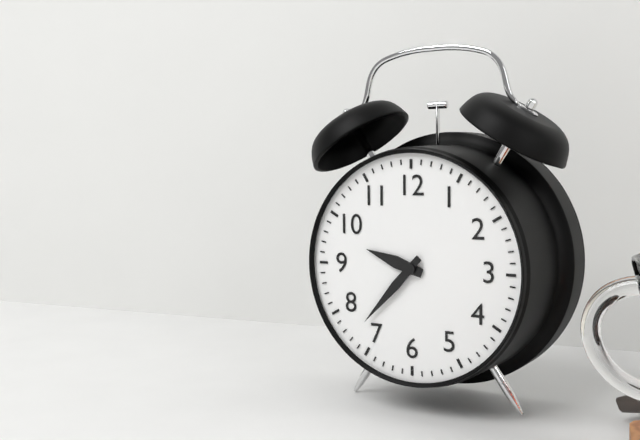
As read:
9,37
